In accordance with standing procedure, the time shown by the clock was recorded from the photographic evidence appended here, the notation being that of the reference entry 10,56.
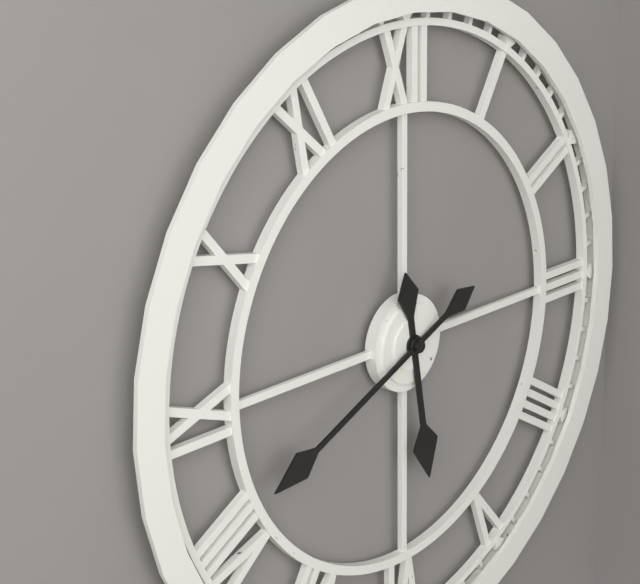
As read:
5,41
